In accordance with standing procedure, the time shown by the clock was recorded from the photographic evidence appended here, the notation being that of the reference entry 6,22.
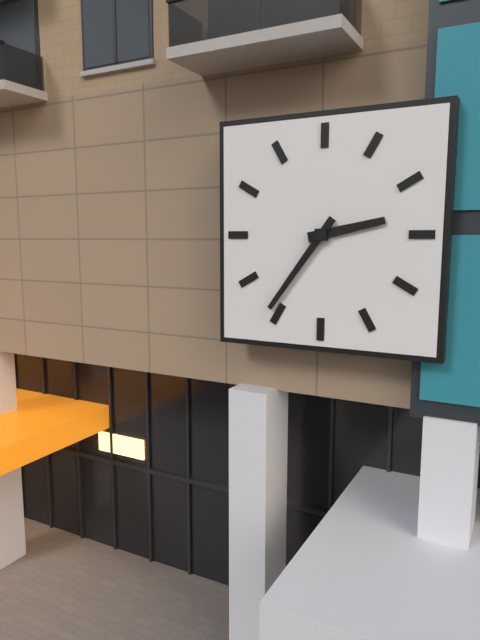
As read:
2,36
